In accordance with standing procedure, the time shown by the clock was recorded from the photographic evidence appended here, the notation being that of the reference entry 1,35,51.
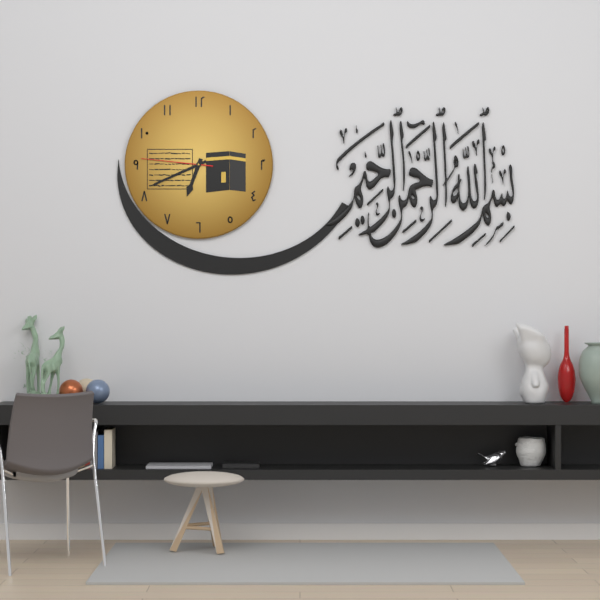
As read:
6,41,46
